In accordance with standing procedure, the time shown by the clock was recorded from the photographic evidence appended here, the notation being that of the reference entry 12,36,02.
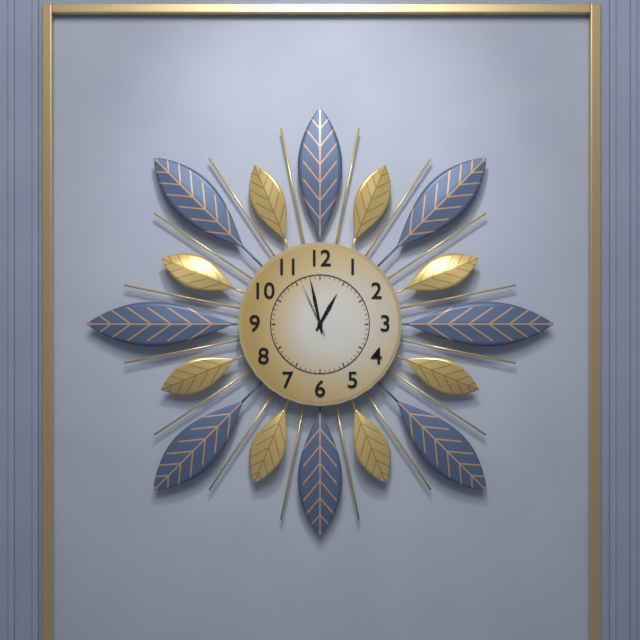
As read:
12,58,56
